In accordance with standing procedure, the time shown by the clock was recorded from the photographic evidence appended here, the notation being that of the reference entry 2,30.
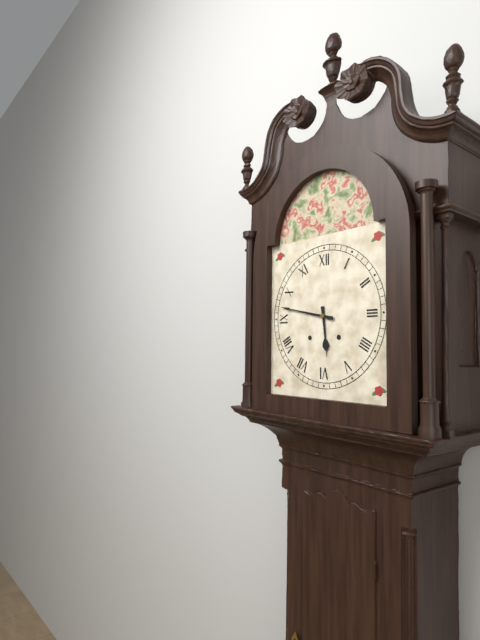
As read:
5,47
